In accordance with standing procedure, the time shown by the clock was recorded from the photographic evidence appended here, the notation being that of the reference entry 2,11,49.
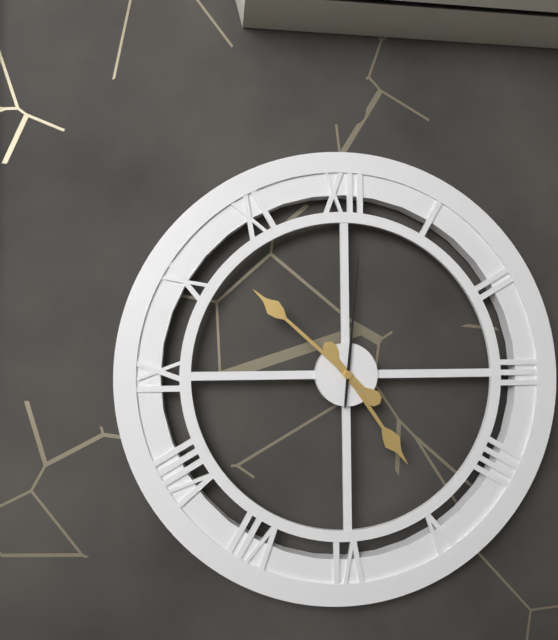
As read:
4,52,01
